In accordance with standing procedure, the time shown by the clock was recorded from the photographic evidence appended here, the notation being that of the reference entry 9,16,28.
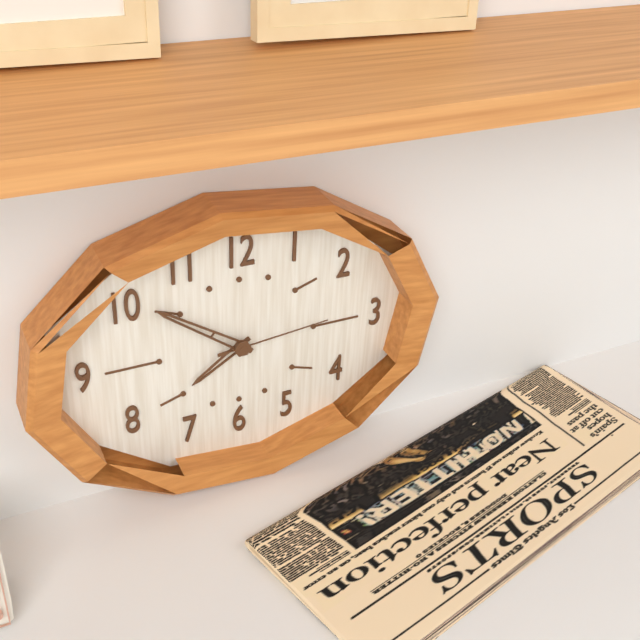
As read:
7,51,14
